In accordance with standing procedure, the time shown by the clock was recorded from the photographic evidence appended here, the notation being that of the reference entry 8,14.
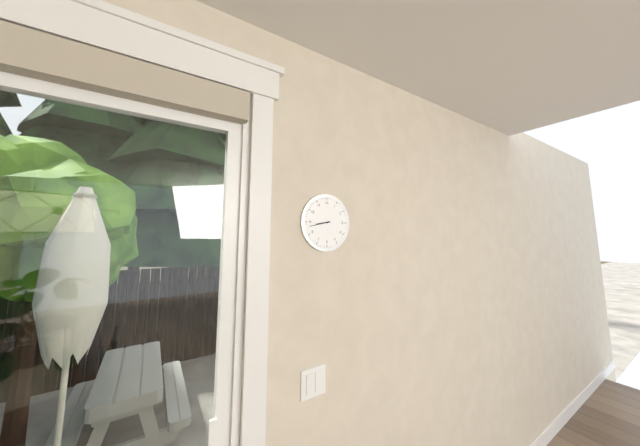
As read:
8,43
